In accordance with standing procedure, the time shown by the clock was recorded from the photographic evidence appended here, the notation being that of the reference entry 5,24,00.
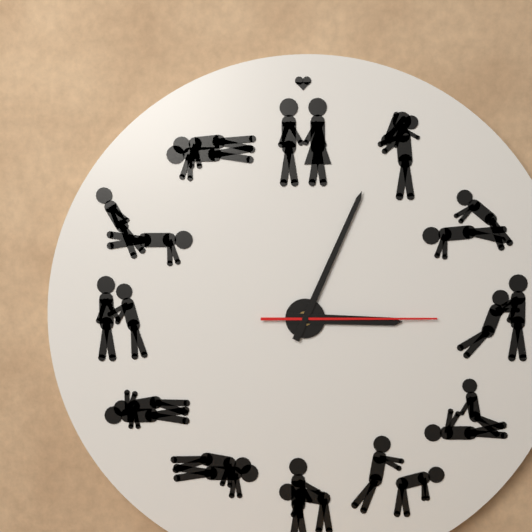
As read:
3,04,15
